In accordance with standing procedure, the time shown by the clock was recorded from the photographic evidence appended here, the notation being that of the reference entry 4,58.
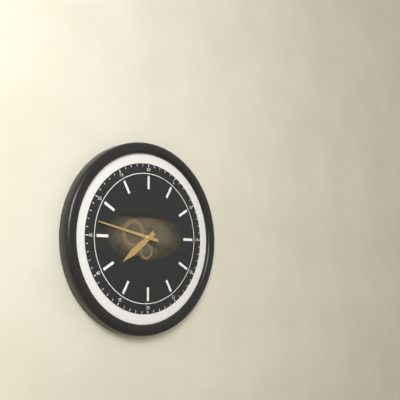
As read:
7,47
